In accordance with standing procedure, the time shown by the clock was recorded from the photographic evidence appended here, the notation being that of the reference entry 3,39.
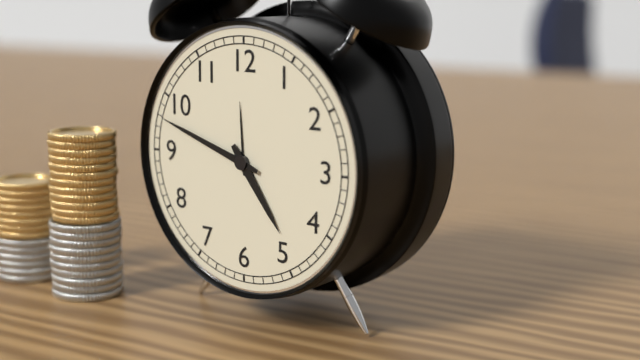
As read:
4,48
